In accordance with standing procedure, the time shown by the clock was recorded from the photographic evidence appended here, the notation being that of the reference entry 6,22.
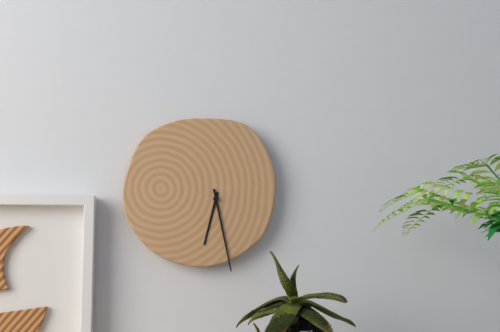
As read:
6,28
